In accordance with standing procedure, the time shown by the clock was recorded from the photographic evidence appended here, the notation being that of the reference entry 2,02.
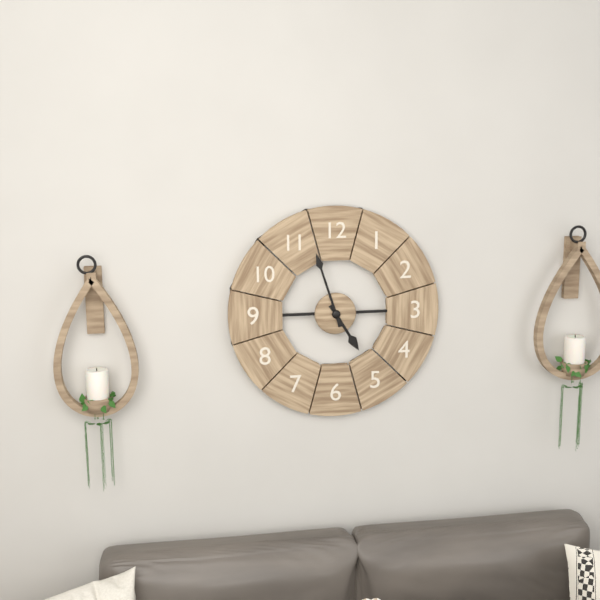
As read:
4,57
